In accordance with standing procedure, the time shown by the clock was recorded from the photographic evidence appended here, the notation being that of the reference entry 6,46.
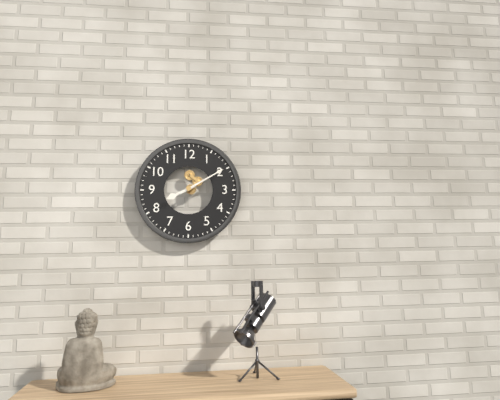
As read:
8,10
